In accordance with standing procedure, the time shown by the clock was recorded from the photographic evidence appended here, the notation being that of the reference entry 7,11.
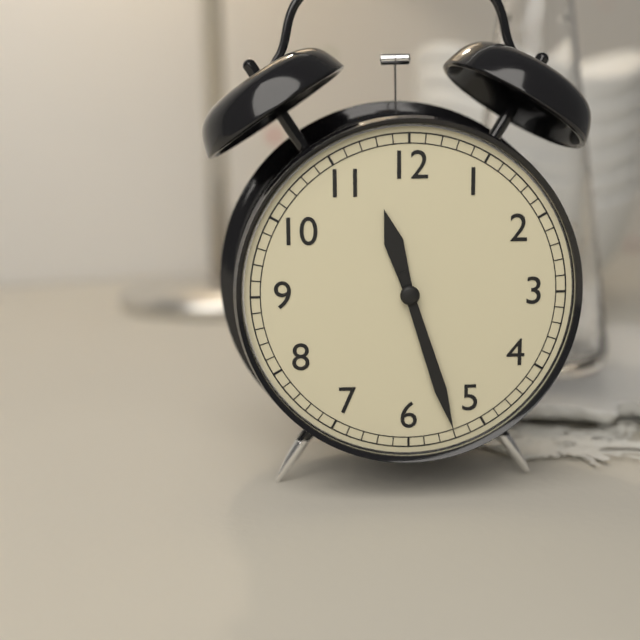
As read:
11,27
